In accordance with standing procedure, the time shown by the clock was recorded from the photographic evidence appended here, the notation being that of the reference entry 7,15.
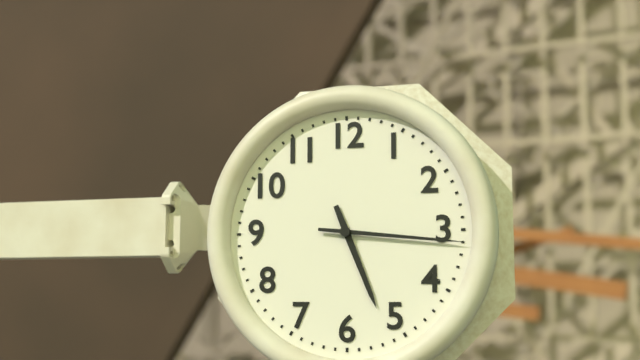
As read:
5,16
